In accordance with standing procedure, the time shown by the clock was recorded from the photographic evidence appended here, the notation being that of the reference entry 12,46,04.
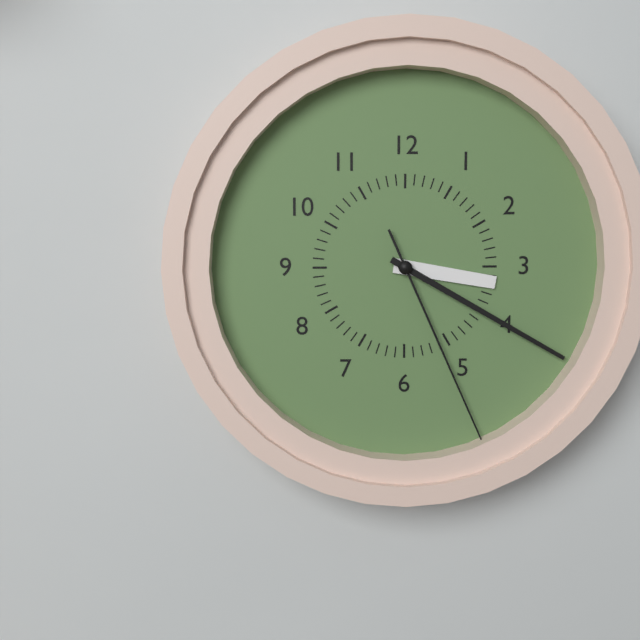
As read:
3,20,26
